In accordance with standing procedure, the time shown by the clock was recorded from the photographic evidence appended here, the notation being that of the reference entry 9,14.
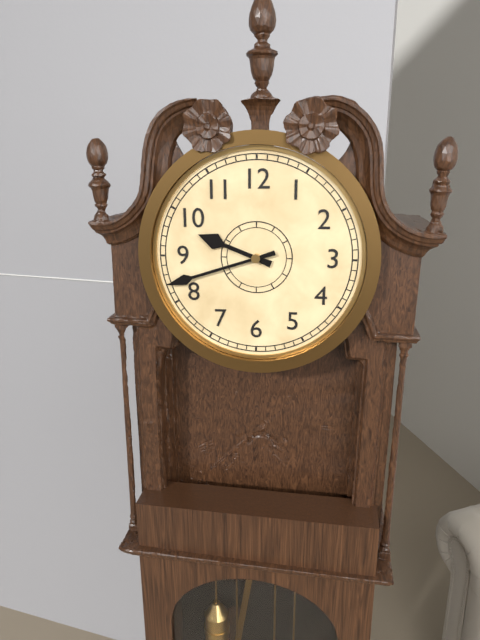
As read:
9,42
